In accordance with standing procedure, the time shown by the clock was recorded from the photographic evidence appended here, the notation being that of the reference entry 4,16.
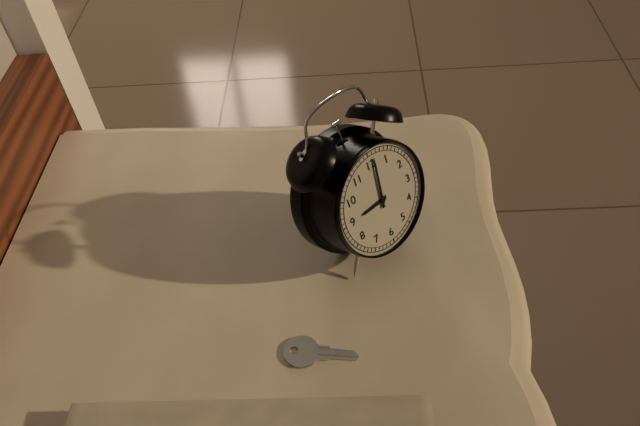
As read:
9,01
